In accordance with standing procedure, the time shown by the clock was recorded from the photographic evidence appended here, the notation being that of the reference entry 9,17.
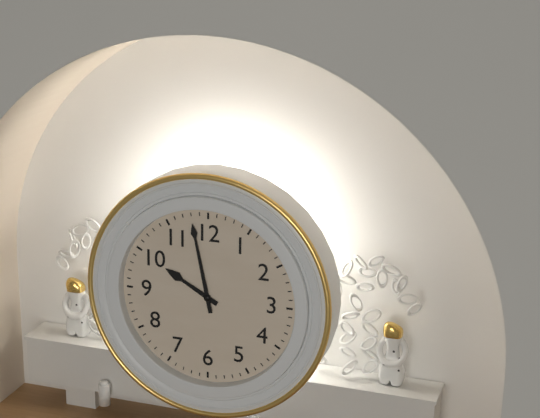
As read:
9,58
